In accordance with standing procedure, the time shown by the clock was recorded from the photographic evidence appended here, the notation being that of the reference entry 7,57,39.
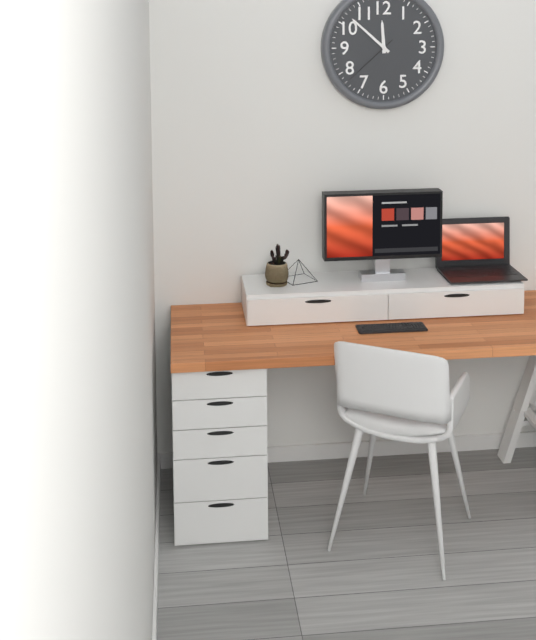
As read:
11,52,38
